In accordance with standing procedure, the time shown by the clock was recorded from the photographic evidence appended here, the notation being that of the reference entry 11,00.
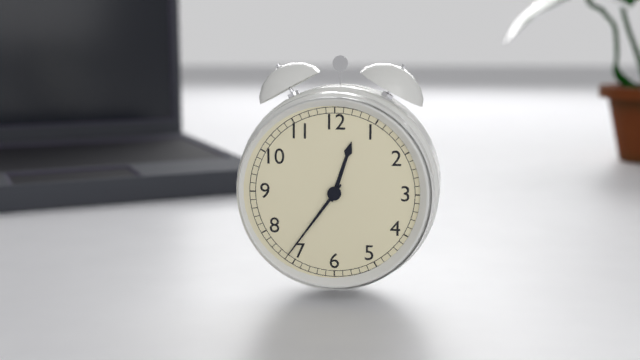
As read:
12,36
